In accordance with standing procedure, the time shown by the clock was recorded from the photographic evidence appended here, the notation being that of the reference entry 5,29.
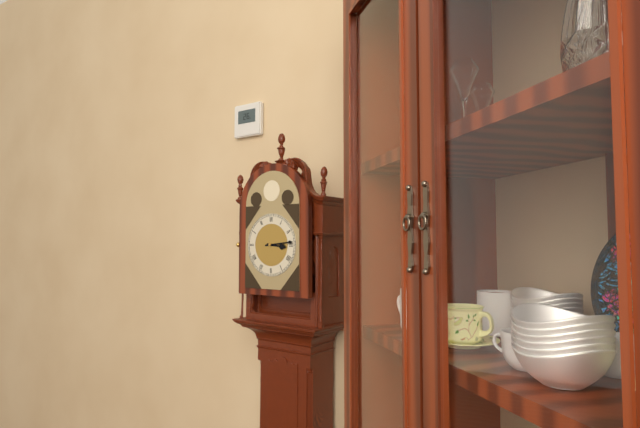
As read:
3,14
